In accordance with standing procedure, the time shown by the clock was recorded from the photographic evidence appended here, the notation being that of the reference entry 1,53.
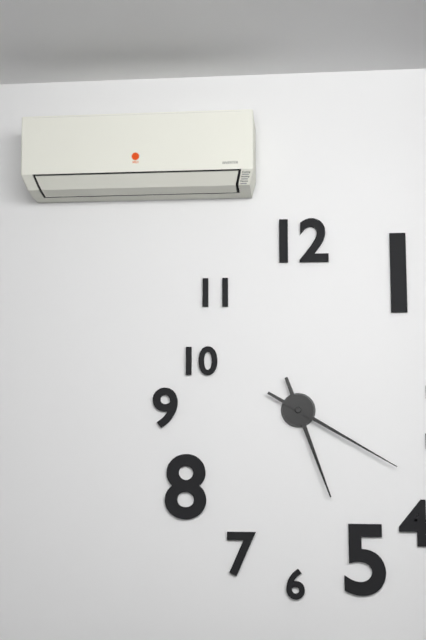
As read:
5,20
